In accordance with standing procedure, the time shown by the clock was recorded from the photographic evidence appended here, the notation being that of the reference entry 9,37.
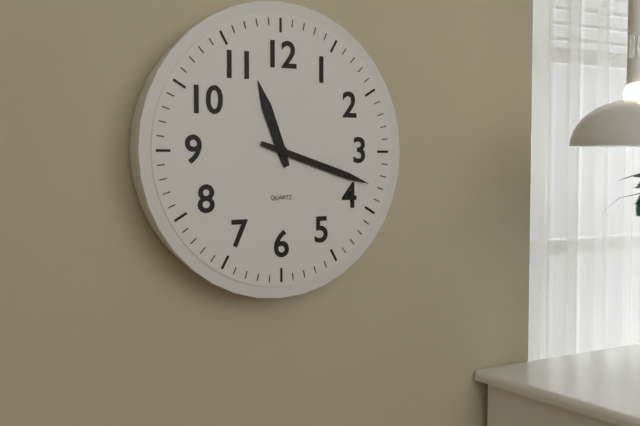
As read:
11,18
